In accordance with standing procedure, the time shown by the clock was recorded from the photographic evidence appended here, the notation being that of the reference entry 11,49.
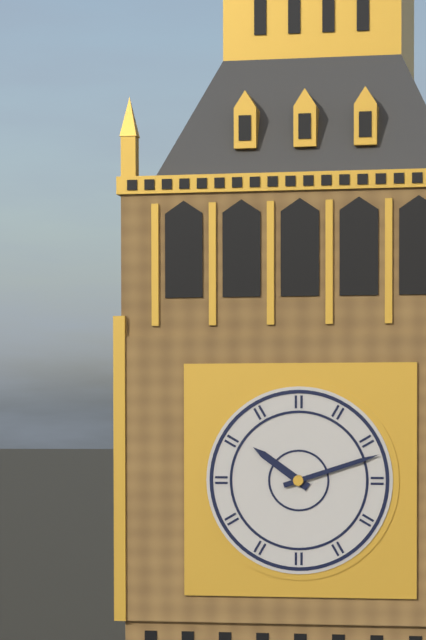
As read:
10,12
